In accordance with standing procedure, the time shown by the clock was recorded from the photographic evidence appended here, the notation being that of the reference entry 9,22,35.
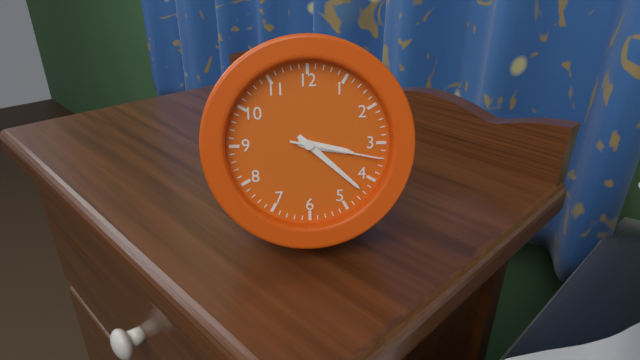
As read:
3,22,17
